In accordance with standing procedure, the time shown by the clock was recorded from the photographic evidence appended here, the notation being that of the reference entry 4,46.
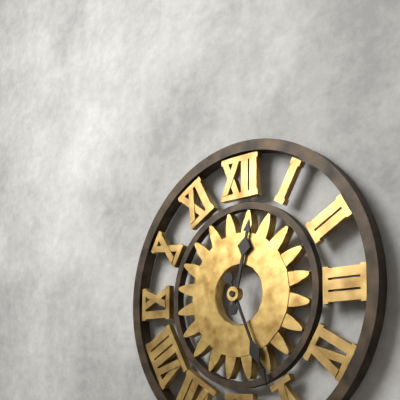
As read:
12,26
